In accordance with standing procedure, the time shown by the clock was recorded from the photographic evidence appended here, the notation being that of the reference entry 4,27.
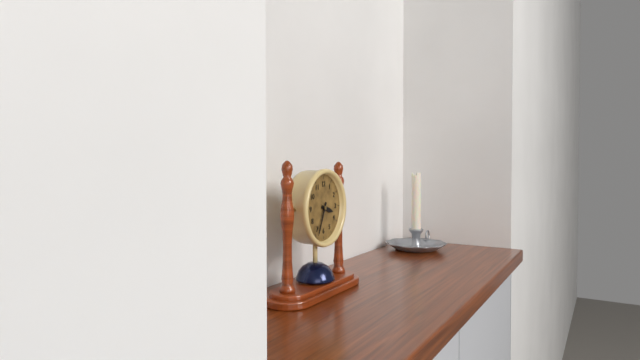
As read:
3,34
